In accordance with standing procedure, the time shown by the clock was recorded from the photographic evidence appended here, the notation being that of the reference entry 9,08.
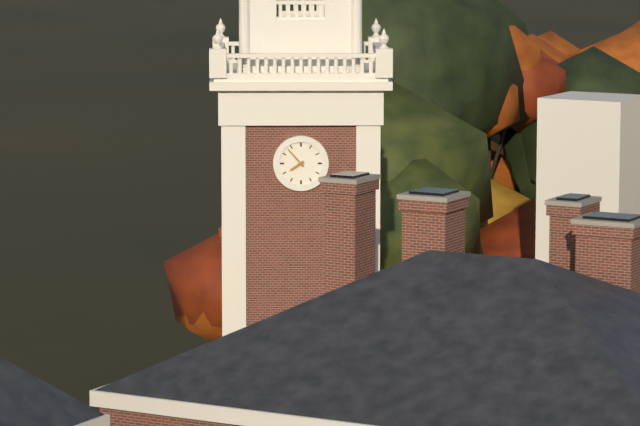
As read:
7,53
